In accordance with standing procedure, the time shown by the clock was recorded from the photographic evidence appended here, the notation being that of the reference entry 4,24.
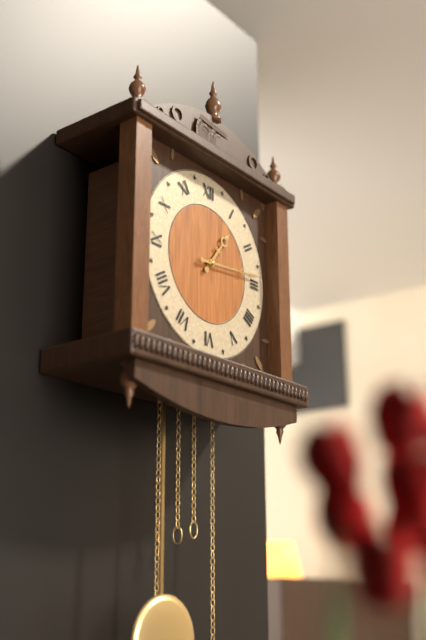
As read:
1,14
